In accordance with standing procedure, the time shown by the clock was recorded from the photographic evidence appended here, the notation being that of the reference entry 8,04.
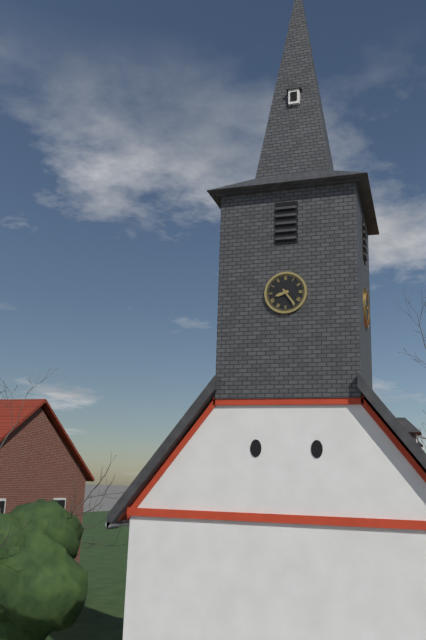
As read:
8,24
